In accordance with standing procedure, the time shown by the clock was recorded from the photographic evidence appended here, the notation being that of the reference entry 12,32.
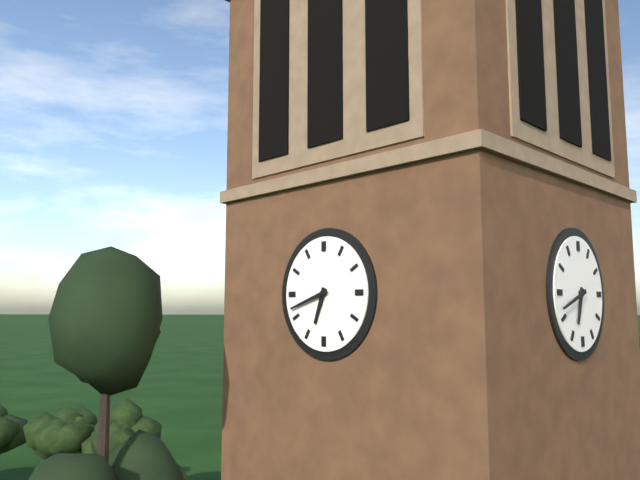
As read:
6,42
